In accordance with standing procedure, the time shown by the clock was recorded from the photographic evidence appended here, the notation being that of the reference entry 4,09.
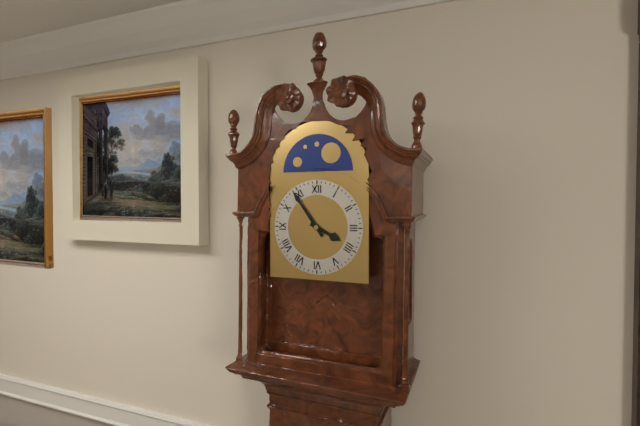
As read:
3,54
